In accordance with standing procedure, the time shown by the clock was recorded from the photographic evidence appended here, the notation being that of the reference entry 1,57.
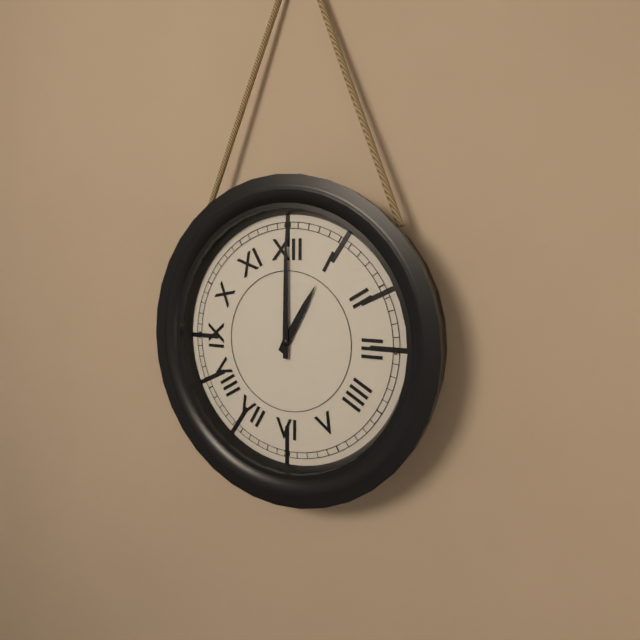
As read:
1,00
